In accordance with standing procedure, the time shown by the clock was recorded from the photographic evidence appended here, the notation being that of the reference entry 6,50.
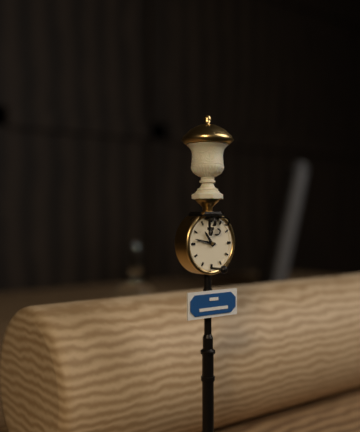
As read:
10,47
